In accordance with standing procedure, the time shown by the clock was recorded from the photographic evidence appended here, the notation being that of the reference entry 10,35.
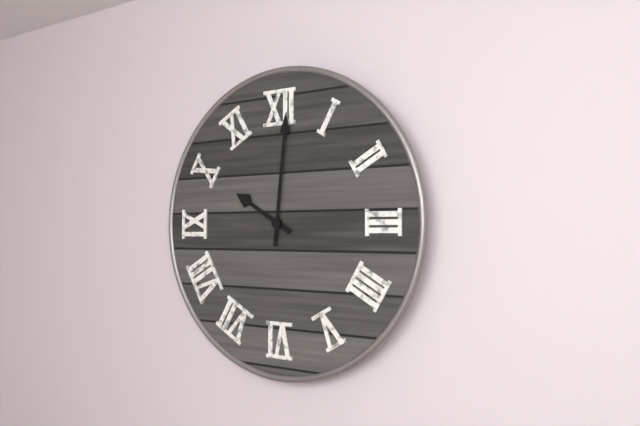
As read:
10,01
